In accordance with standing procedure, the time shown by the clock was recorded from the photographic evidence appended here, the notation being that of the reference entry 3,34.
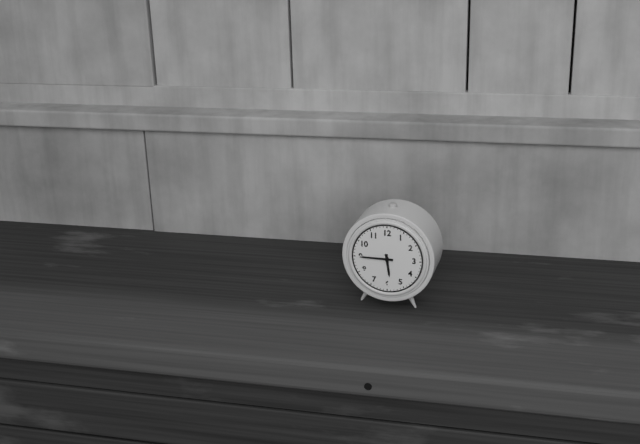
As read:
5,45
